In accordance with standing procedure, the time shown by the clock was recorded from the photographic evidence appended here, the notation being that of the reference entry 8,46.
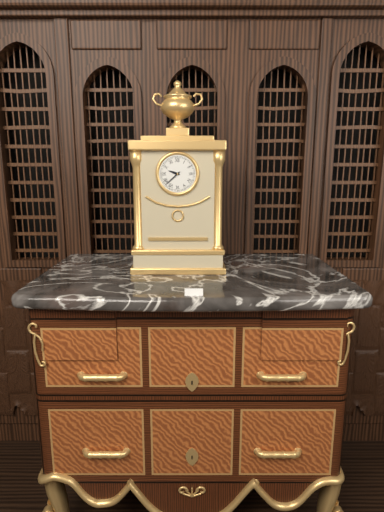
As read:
9,38
